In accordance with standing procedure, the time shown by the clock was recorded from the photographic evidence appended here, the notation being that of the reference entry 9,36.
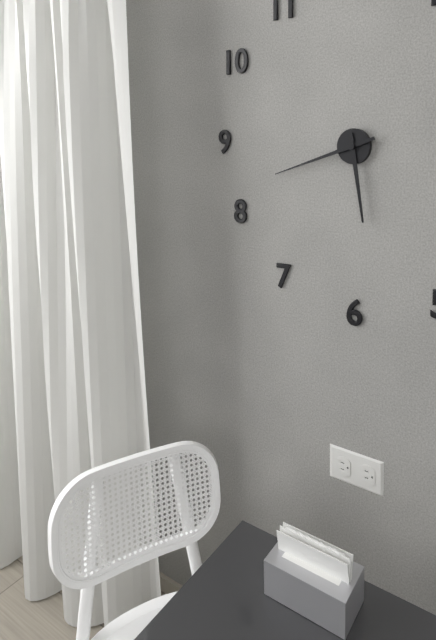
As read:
5,42
